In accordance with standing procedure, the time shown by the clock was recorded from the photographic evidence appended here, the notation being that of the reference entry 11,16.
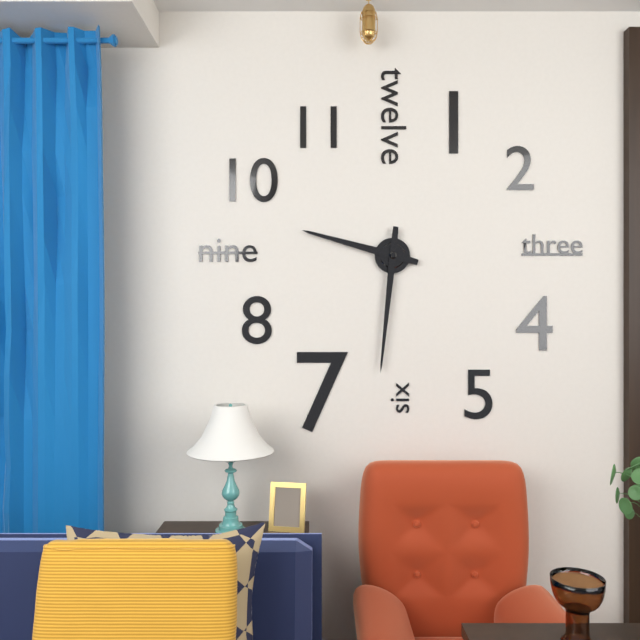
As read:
9,31
